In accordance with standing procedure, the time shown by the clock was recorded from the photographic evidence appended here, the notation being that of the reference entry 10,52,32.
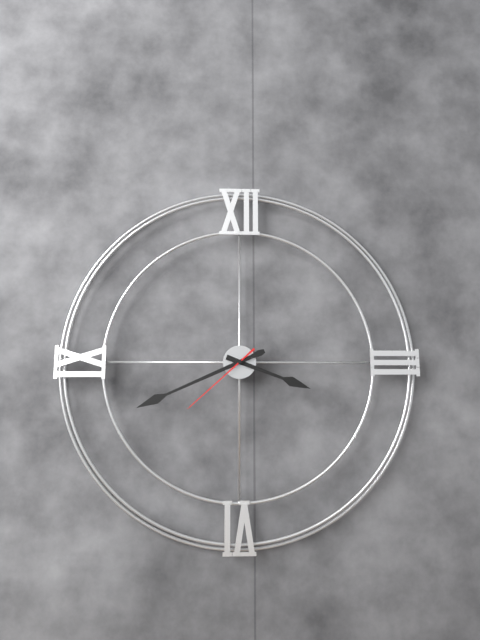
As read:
3,41,38
